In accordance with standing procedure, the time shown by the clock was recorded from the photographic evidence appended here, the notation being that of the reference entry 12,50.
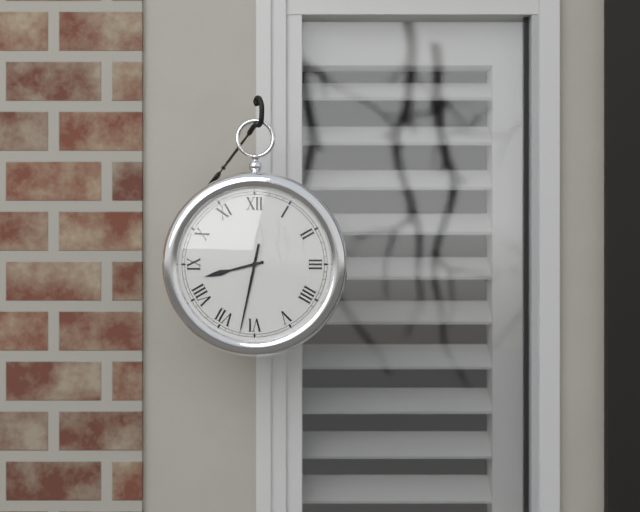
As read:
8,32
